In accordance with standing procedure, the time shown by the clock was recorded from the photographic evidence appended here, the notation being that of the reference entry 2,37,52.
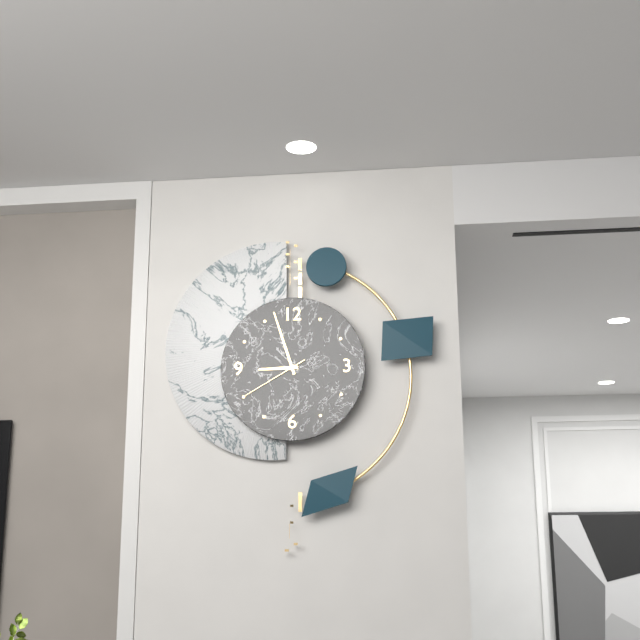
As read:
8,57,40
